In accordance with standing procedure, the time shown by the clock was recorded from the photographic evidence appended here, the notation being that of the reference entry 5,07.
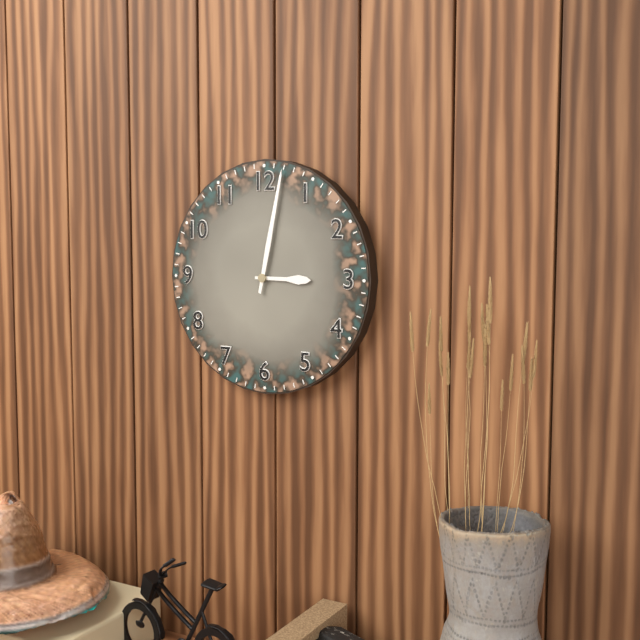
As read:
3,02
